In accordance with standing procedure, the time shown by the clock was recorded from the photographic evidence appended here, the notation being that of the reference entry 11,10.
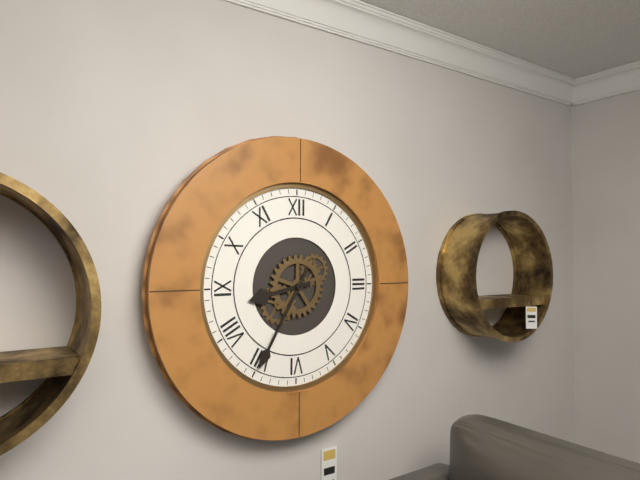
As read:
8,35
